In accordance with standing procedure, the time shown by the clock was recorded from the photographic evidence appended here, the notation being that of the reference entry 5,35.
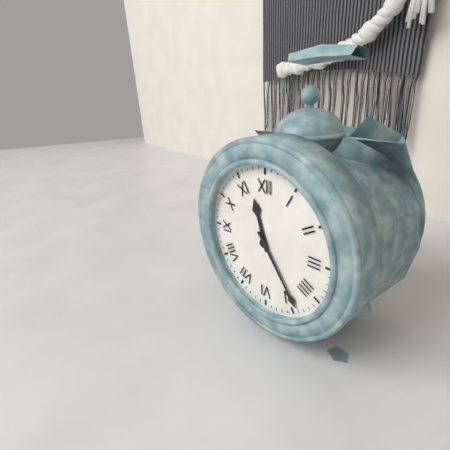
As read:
11,24
